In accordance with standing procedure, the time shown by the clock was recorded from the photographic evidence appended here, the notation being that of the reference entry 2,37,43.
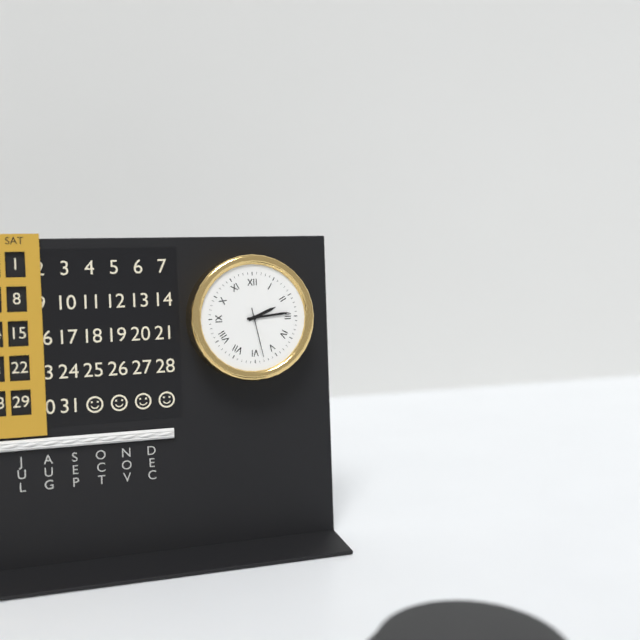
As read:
2,14,28
